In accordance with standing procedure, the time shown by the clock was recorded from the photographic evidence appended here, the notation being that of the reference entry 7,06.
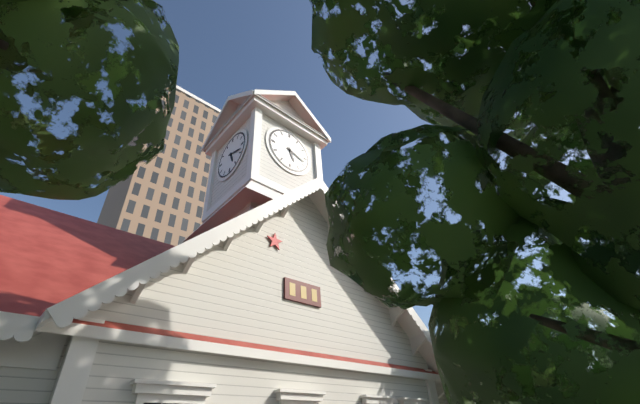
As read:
5,18
